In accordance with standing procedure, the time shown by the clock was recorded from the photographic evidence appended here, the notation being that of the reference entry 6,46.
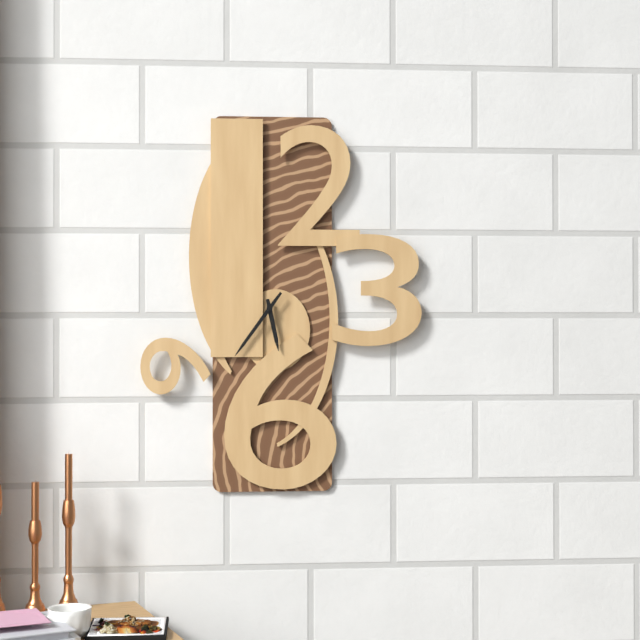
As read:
5,36
